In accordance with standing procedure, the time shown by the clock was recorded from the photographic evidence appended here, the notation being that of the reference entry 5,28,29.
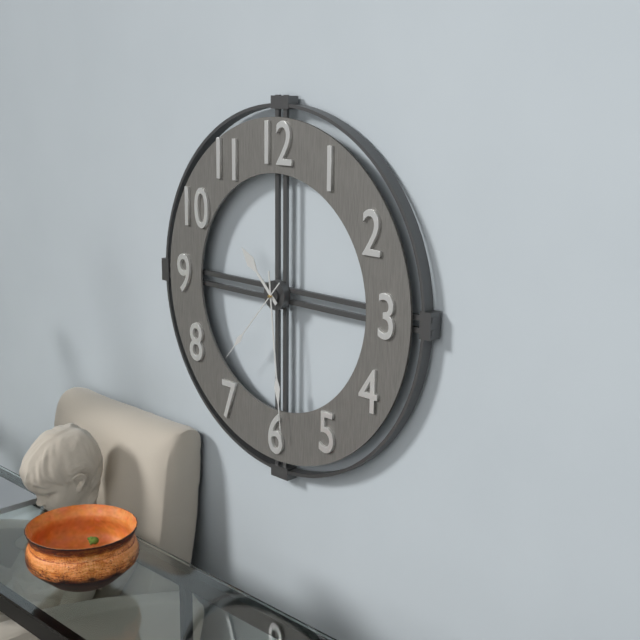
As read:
10,29,37
